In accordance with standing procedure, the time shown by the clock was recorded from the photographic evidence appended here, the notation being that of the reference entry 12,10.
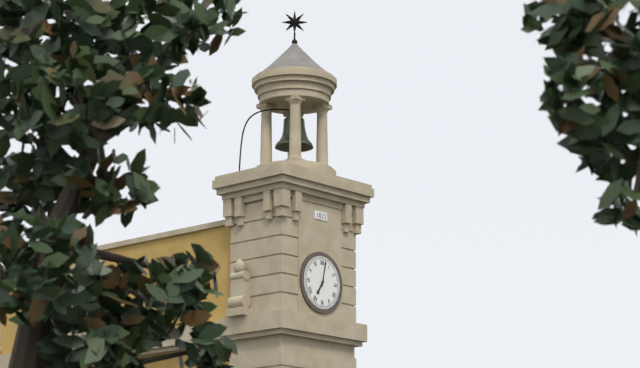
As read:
7,02
